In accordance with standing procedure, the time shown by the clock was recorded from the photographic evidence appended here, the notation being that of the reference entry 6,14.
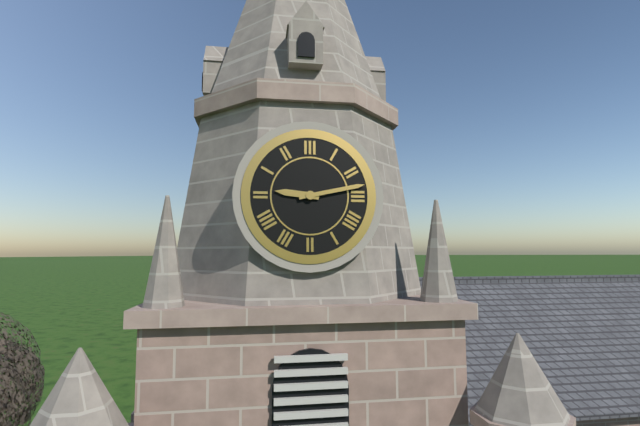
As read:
9,13
